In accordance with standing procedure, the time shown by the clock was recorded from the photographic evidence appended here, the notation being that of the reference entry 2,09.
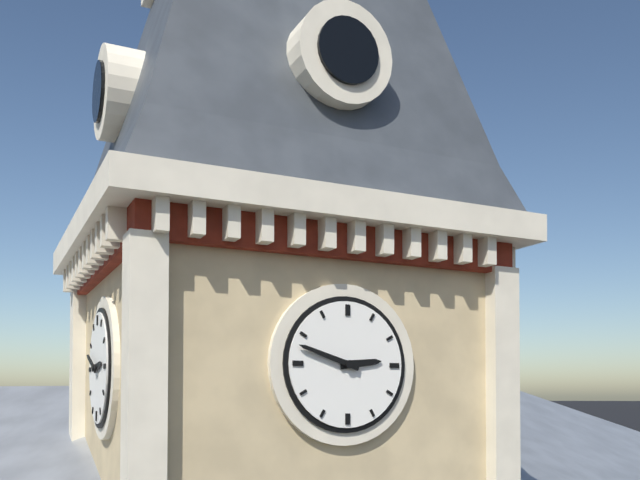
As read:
2,48
